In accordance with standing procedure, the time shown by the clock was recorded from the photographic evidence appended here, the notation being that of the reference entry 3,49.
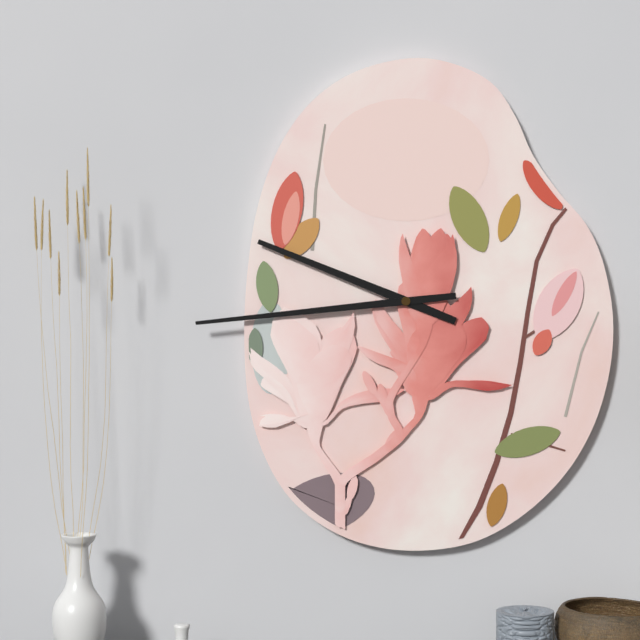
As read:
9,44
